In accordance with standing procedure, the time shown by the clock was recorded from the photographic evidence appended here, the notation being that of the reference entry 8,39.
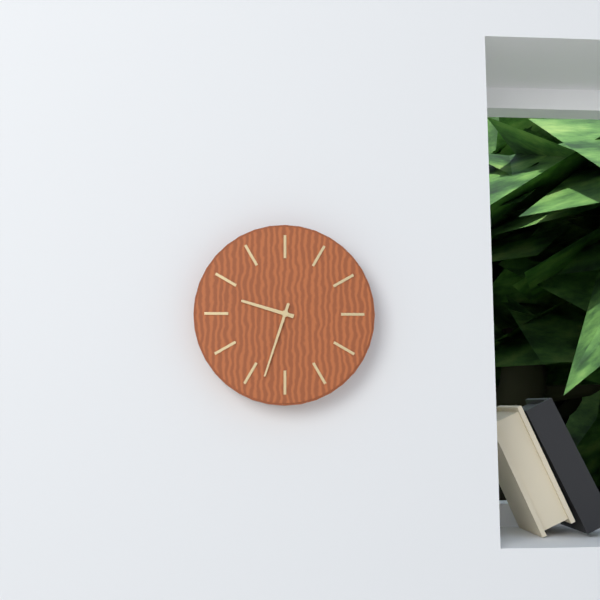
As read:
9,33
